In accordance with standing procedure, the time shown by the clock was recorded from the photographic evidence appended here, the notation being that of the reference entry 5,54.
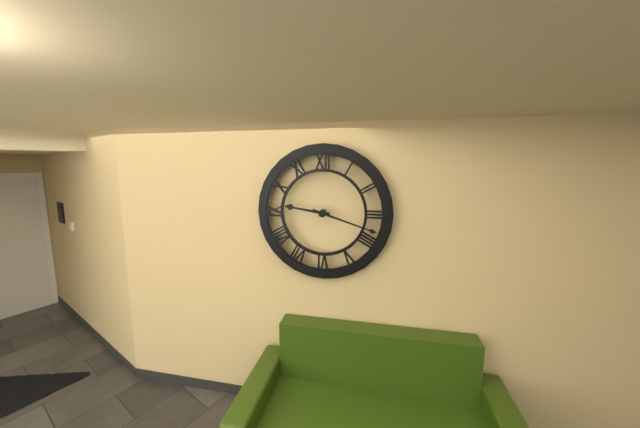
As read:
9,18
